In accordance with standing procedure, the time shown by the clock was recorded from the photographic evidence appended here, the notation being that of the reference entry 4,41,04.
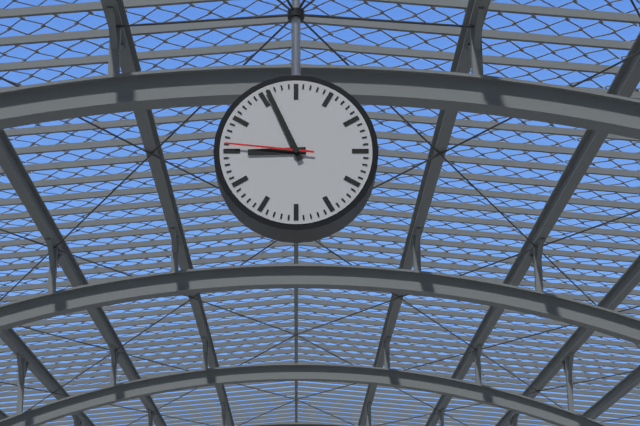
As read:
8,56,46
